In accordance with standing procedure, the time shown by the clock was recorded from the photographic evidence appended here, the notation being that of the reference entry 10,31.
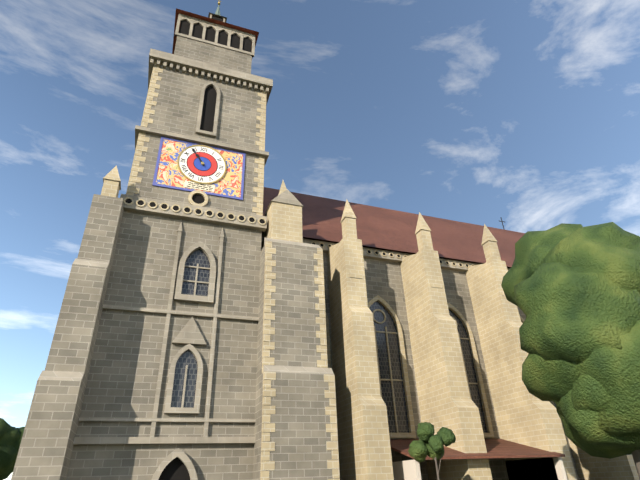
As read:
10,54
